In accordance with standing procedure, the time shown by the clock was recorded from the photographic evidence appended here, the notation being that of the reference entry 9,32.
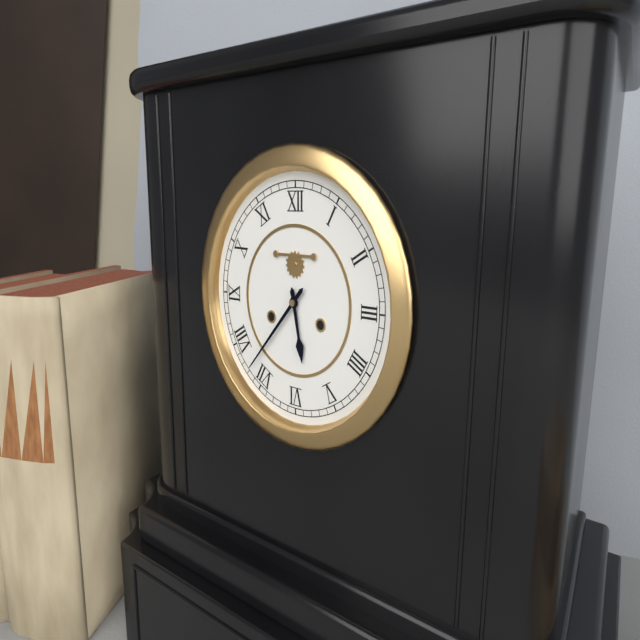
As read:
5,37
